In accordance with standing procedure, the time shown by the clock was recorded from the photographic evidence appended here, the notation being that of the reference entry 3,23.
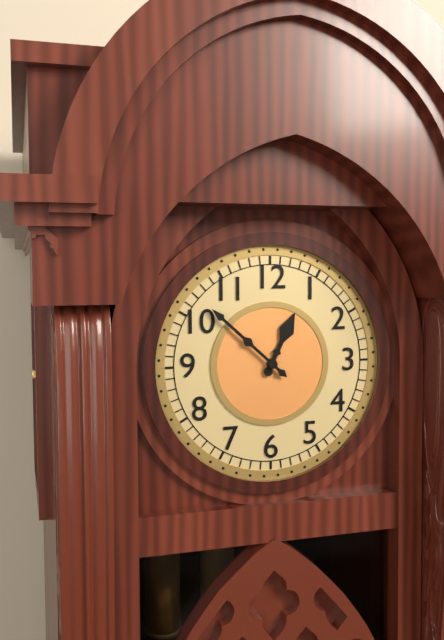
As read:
12,52
